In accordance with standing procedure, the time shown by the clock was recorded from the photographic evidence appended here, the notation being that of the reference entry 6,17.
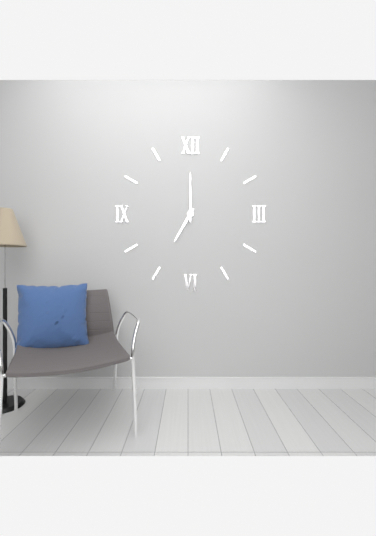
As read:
7,00
